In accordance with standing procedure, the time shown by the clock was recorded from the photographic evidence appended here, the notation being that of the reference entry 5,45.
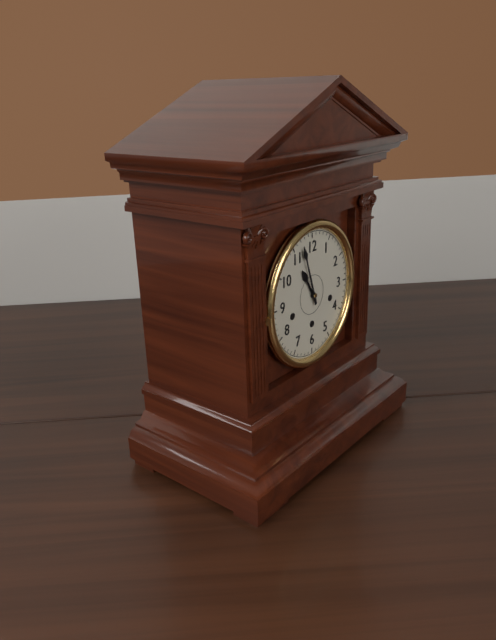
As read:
10,57
